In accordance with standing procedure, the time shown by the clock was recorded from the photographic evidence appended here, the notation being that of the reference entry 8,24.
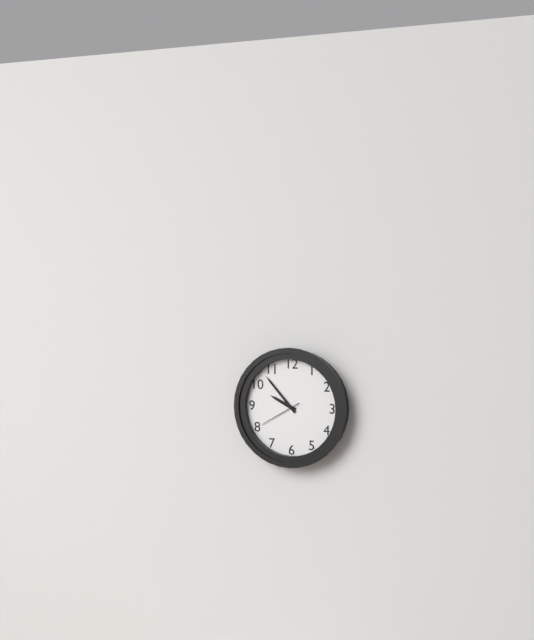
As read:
9,53
